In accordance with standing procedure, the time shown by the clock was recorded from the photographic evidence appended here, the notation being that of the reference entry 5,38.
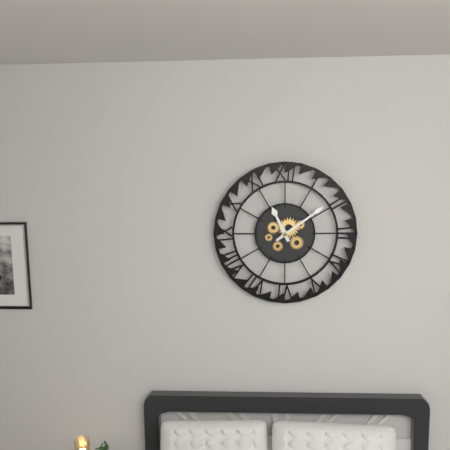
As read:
11,09
